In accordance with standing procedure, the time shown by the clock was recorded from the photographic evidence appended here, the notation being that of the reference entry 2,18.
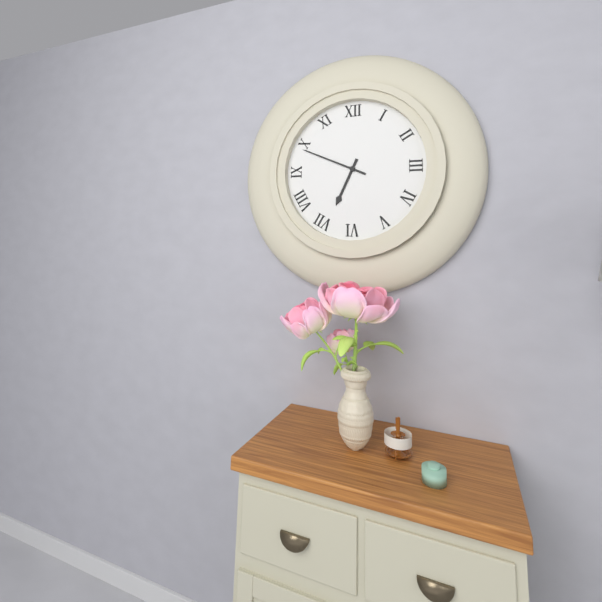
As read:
6,49
